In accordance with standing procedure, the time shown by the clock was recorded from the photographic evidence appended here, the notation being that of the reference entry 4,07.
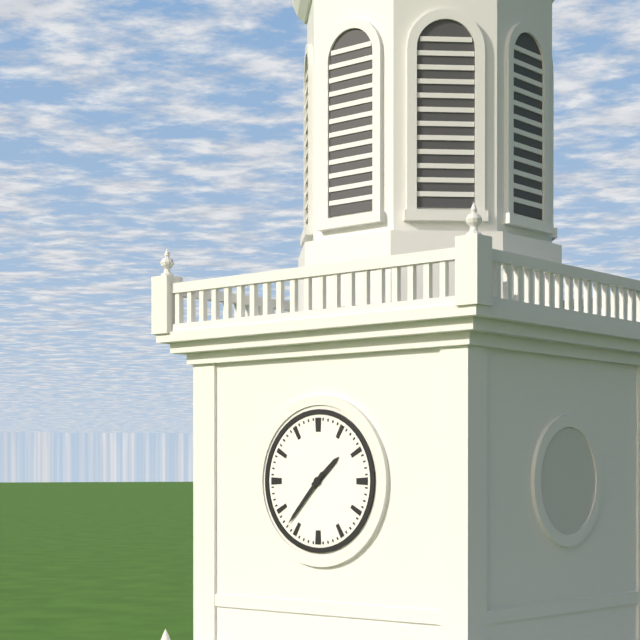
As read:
1,37
